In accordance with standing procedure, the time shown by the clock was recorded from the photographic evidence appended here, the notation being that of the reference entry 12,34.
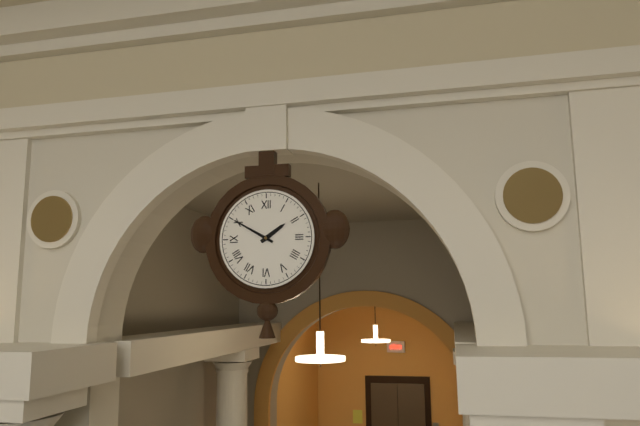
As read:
1,50
